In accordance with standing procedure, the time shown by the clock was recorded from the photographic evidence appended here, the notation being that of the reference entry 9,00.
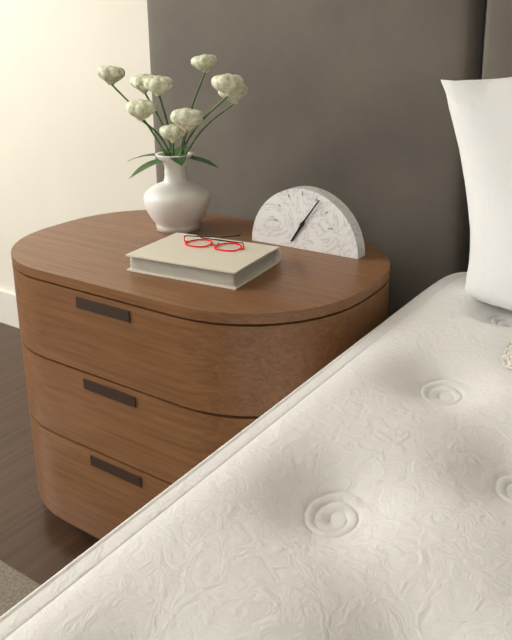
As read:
7,06
